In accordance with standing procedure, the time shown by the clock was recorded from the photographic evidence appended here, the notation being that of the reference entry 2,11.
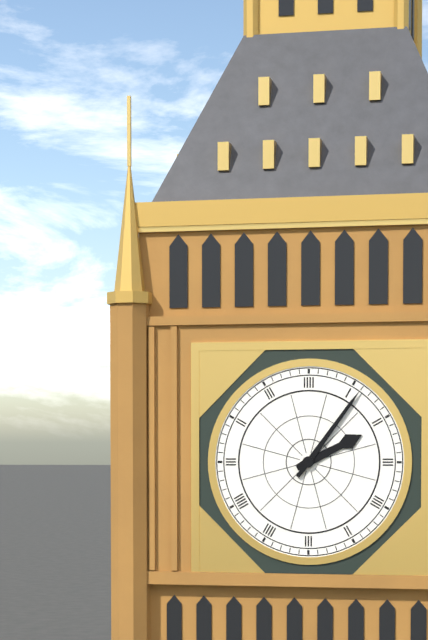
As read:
2,06
